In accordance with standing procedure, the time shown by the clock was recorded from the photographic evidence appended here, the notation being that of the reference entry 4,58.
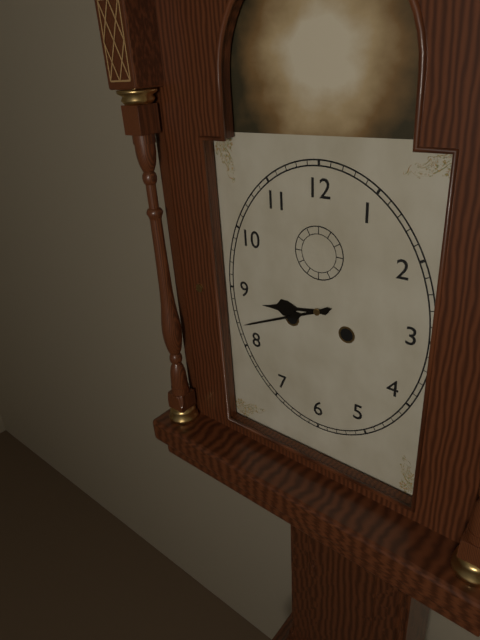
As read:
8,41
